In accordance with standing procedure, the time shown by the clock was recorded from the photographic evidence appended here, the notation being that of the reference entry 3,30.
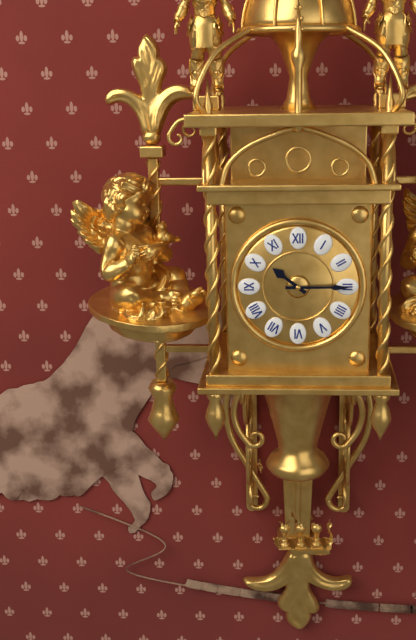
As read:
10,15
